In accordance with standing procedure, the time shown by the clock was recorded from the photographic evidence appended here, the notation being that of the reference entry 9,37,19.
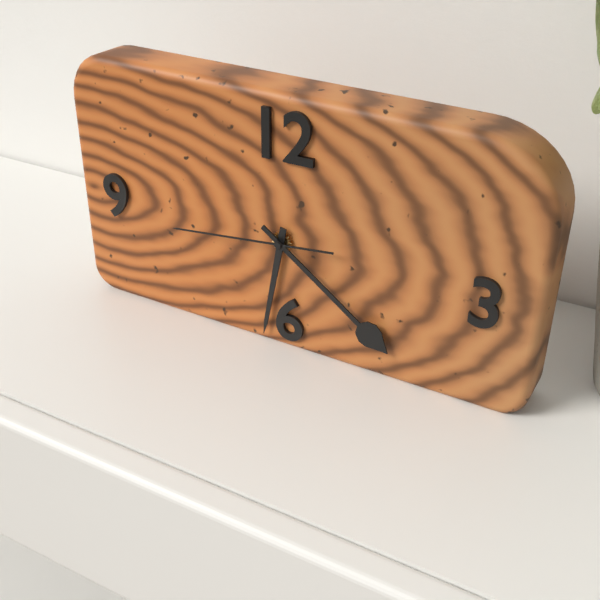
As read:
6,21,44
